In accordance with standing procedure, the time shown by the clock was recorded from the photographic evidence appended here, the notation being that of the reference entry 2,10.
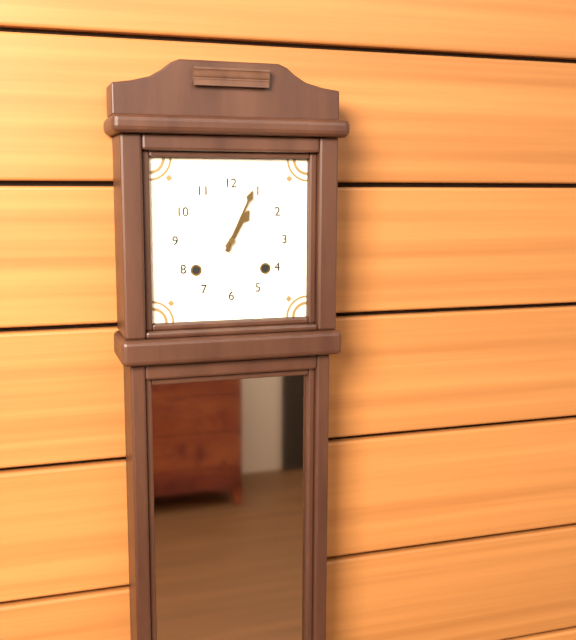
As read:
1,04
